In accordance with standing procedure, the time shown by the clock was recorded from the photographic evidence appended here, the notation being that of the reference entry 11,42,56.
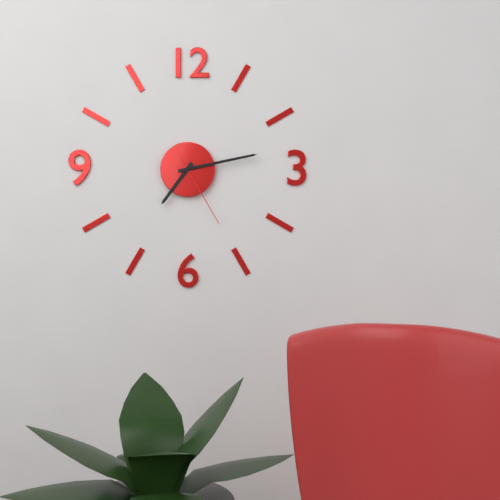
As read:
7,13,25
